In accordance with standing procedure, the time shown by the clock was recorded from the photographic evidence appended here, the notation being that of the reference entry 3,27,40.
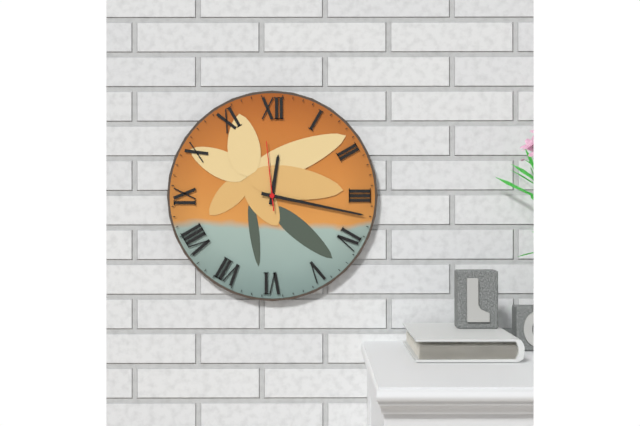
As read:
12,17,59
